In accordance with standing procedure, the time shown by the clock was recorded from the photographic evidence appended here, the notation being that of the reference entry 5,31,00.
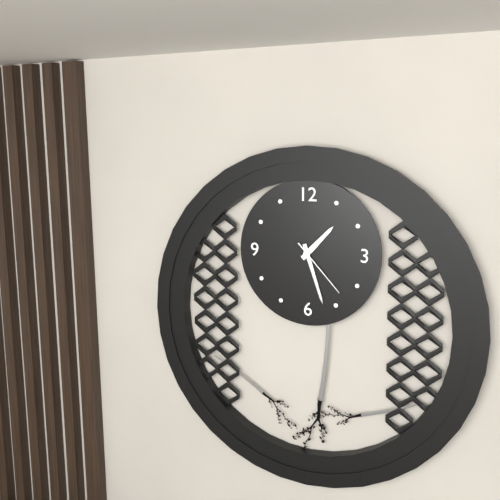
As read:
1,27,23
